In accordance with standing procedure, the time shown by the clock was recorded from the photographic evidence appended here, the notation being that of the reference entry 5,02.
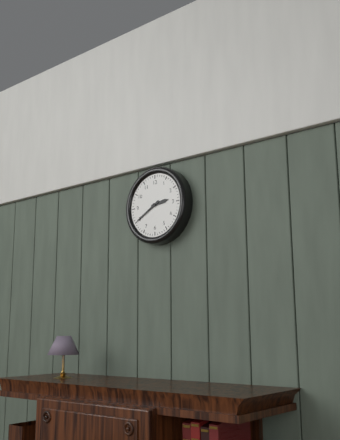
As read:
2,40
